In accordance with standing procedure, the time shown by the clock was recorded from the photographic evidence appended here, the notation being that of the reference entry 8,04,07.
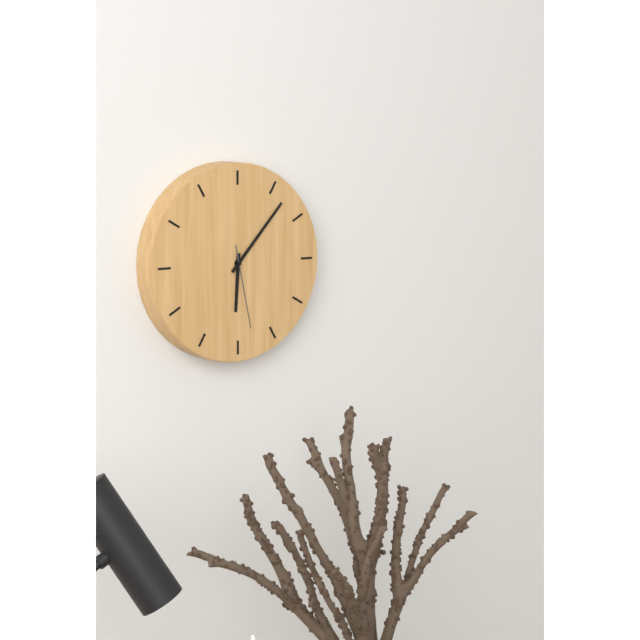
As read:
6,07,28
